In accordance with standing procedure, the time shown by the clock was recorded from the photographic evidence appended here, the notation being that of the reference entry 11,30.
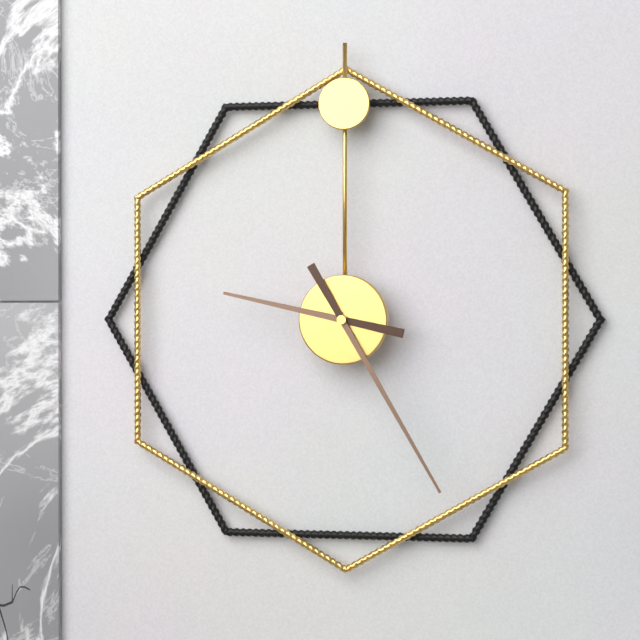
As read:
9,25
